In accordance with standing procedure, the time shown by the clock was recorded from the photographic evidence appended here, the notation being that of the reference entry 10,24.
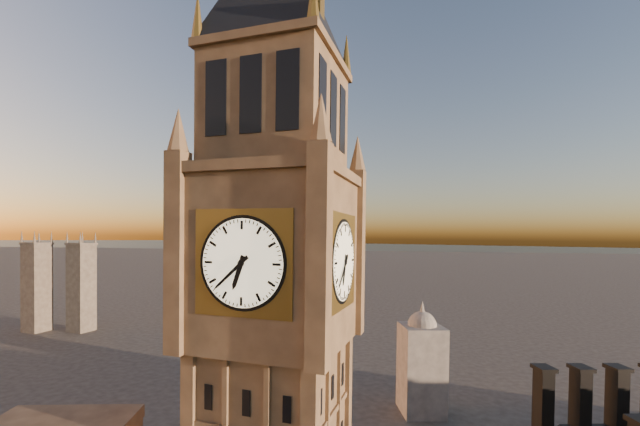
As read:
6,38
